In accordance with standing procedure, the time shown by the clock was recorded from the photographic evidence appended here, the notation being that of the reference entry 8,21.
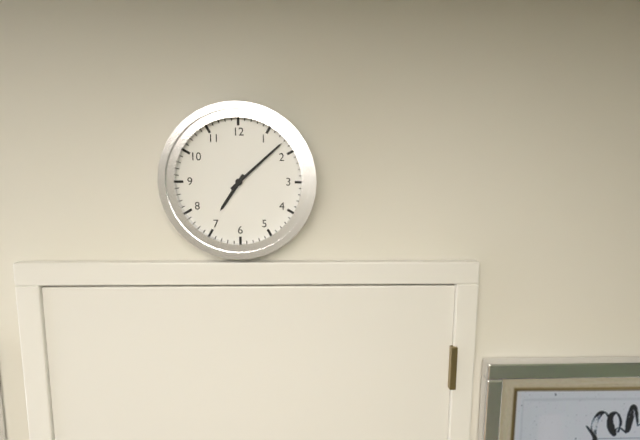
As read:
7,08
